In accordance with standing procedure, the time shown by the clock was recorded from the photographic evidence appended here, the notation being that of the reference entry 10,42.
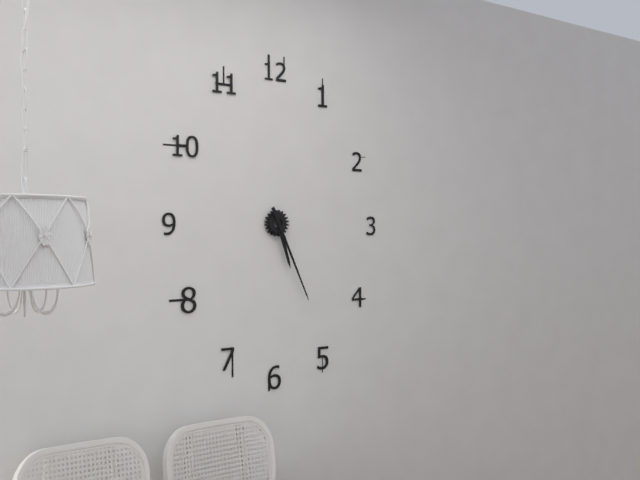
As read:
5,26
